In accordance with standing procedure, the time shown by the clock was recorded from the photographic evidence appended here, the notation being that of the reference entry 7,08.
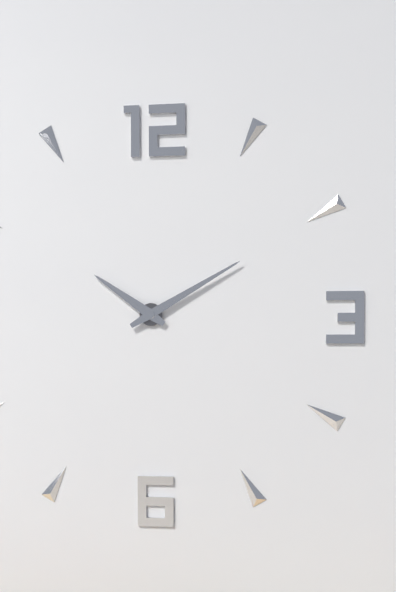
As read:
10,10
